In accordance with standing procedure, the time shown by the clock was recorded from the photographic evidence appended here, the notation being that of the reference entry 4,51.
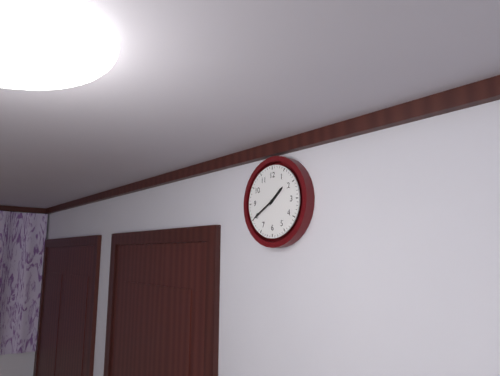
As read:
1,40
